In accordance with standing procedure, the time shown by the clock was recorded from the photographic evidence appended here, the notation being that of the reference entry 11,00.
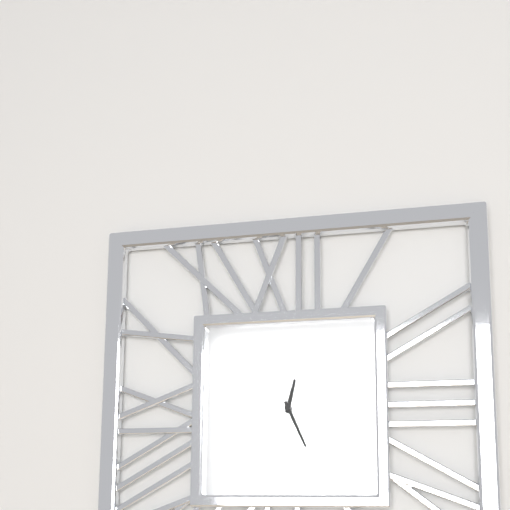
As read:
12,26
